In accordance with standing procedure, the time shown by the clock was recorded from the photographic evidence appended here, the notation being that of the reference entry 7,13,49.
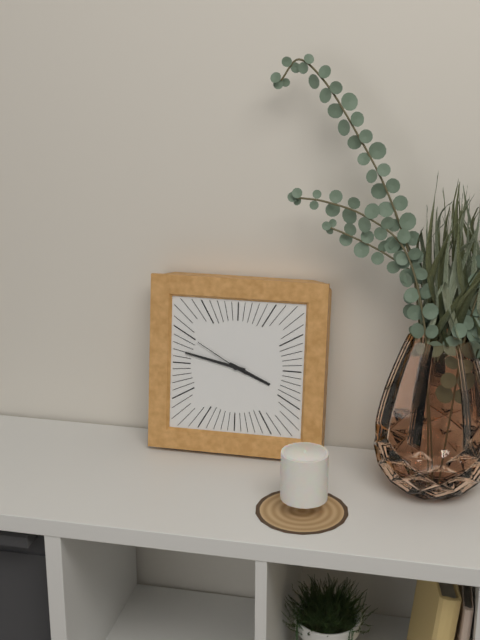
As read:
3,47,50
